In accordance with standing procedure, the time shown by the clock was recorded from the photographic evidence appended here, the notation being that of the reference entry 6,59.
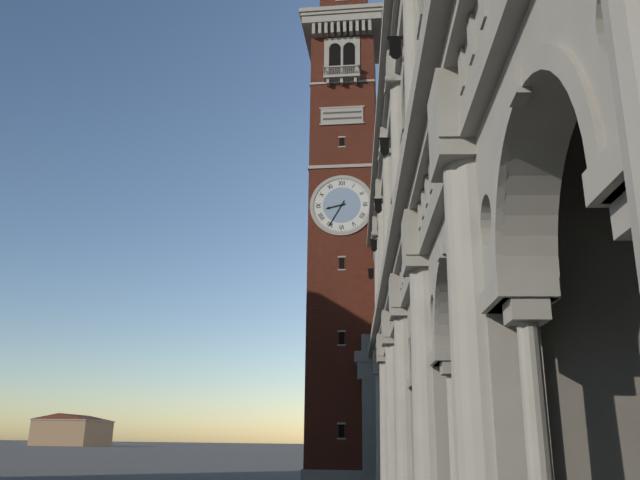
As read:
8,35
